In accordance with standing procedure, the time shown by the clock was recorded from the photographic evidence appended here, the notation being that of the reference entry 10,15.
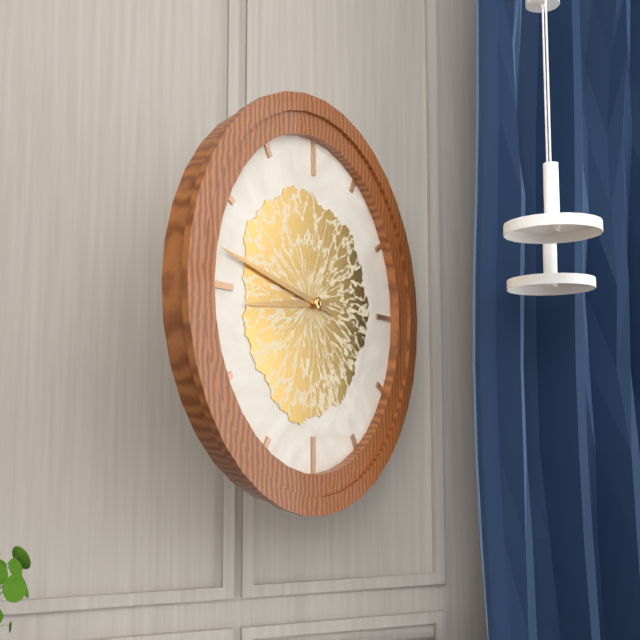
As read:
8,47
